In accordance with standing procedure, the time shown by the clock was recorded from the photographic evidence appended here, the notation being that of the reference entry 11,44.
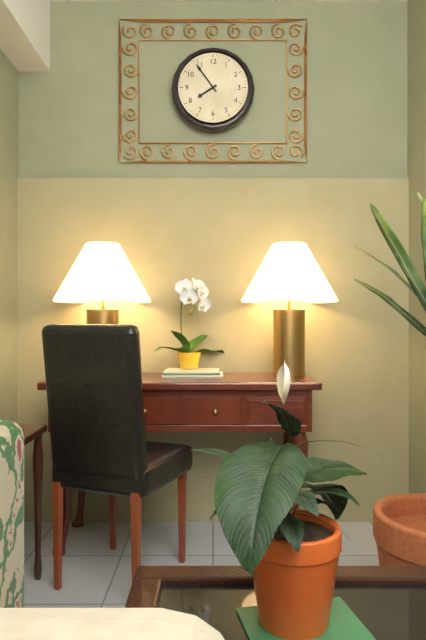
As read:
7,54
